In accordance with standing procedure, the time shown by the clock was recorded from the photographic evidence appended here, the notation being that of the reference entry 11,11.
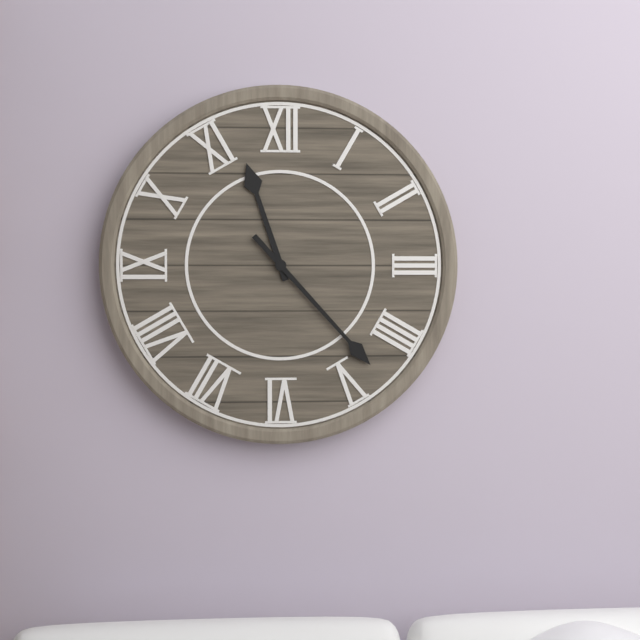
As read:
11,23
